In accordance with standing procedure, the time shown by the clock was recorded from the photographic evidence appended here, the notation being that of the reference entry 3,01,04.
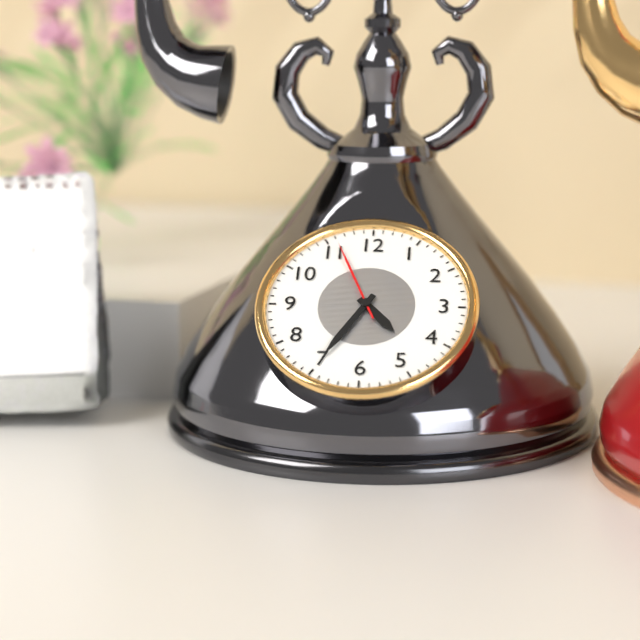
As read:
4,35,56
